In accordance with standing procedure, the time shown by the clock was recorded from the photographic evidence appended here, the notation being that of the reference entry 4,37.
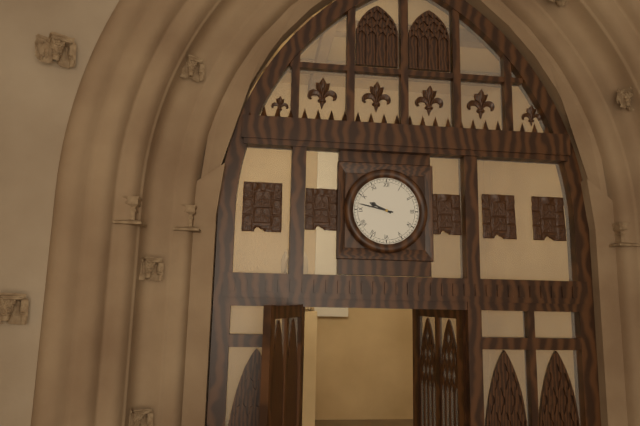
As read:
9,47
